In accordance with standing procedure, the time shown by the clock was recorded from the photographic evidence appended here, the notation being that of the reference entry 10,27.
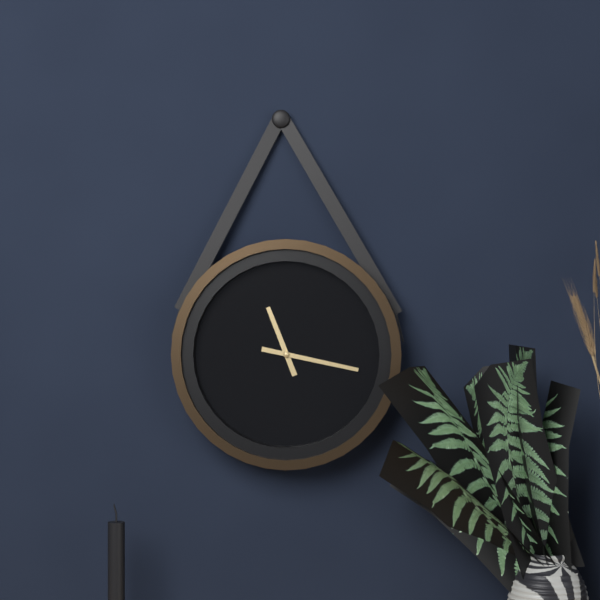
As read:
11,17
